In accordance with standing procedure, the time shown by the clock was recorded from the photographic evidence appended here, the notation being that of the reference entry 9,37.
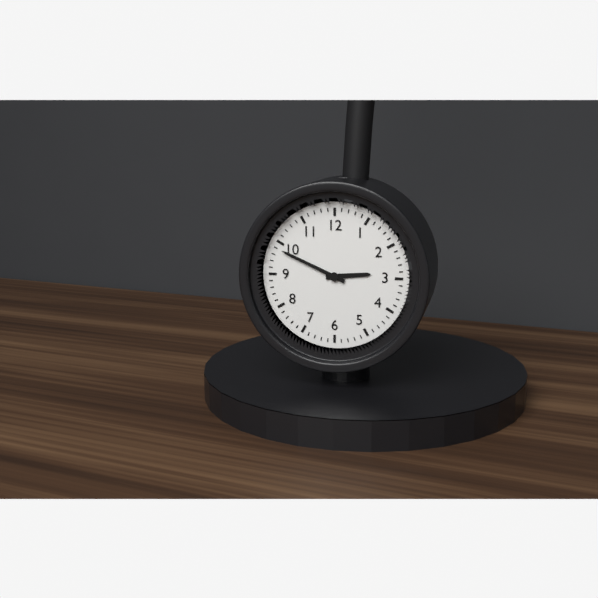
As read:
2,49
